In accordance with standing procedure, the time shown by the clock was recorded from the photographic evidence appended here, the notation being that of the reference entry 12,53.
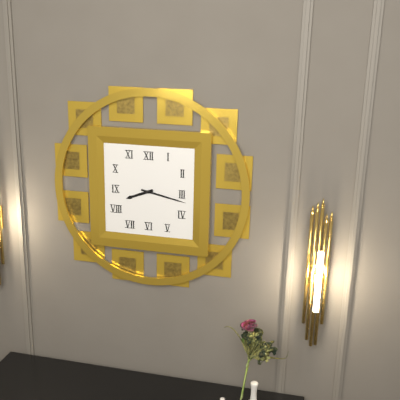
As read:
8,17
